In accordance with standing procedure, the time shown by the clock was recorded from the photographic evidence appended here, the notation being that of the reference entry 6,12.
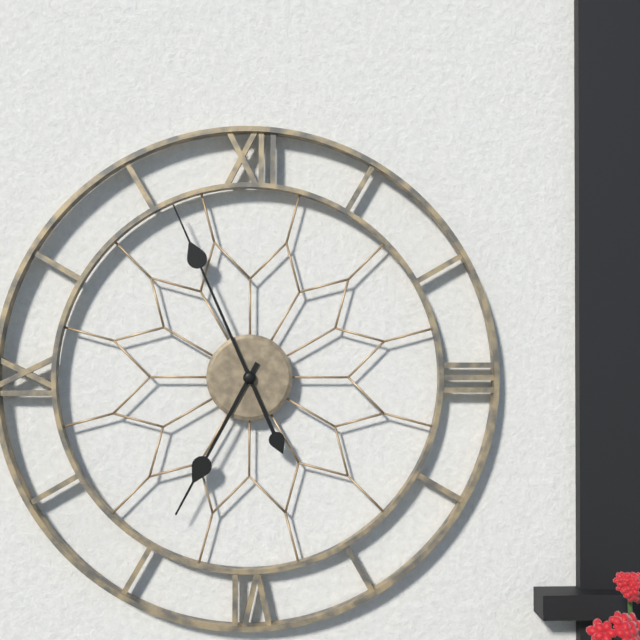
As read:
6,56
